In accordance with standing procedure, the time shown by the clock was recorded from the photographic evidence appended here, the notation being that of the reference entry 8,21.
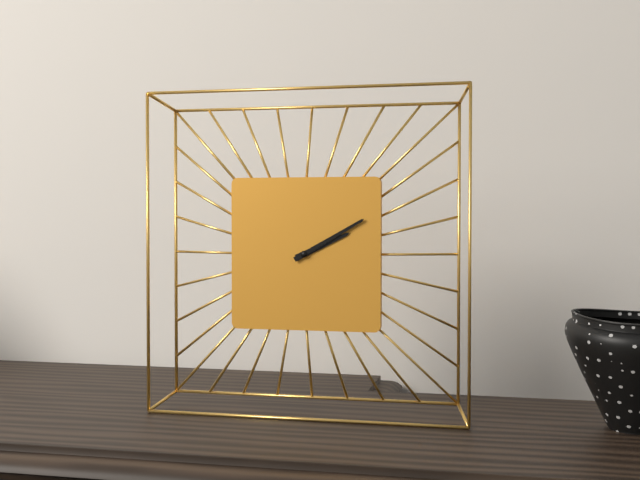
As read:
2,10
